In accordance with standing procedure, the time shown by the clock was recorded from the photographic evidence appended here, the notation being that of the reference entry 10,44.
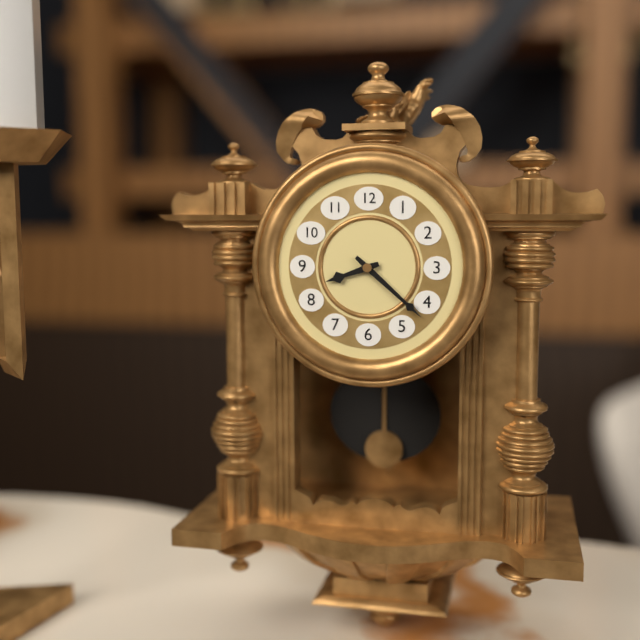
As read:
8,22
